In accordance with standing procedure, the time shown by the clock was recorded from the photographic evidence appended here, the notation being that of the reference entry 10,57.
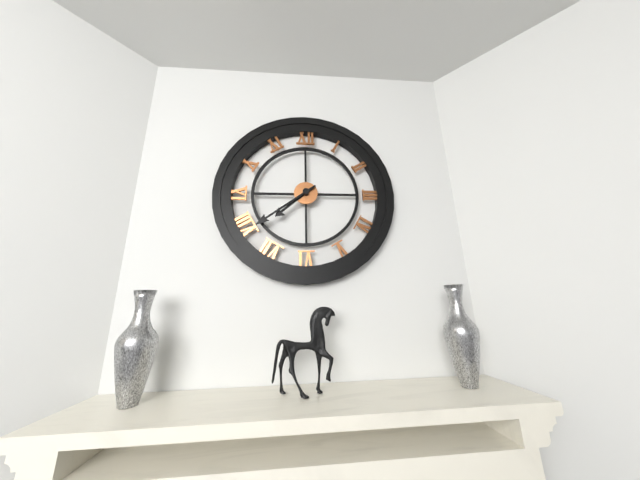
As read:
7,39
